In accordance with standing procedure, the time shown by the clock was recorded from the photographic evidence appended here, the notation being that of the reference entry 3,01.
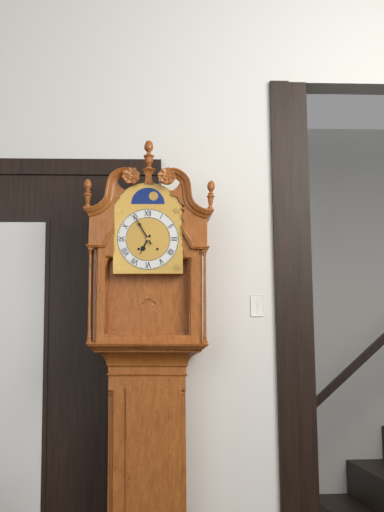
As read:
6,55
